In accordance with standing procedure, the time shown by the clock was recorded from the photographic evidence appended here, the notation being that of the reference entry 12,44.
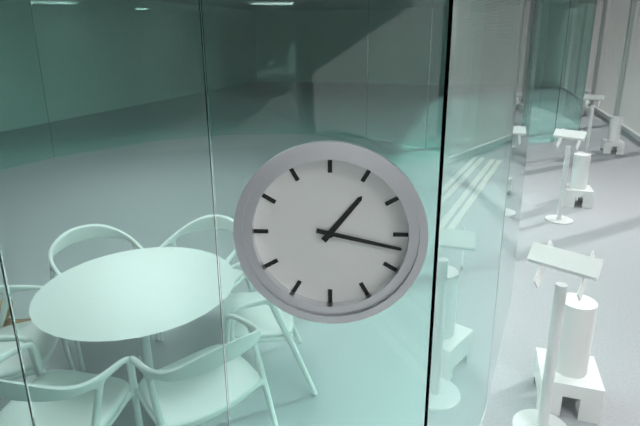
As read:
1,17
